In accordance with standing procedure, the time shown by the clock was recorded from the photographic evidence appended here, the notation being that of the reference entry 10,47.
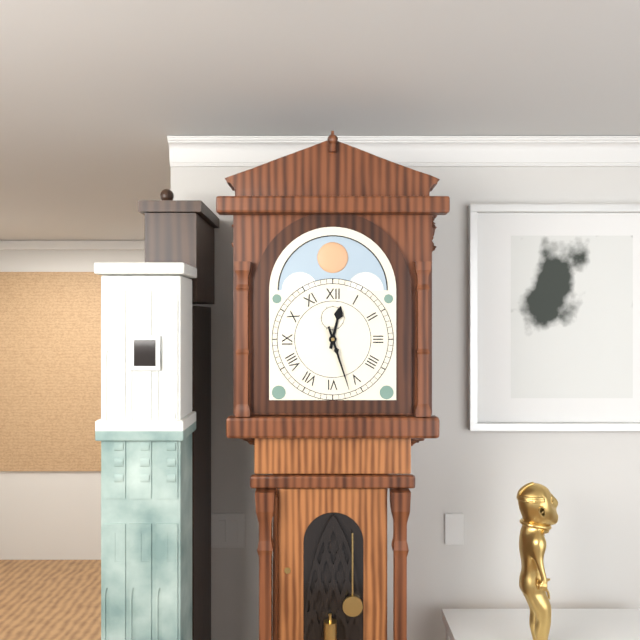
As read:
12,27
